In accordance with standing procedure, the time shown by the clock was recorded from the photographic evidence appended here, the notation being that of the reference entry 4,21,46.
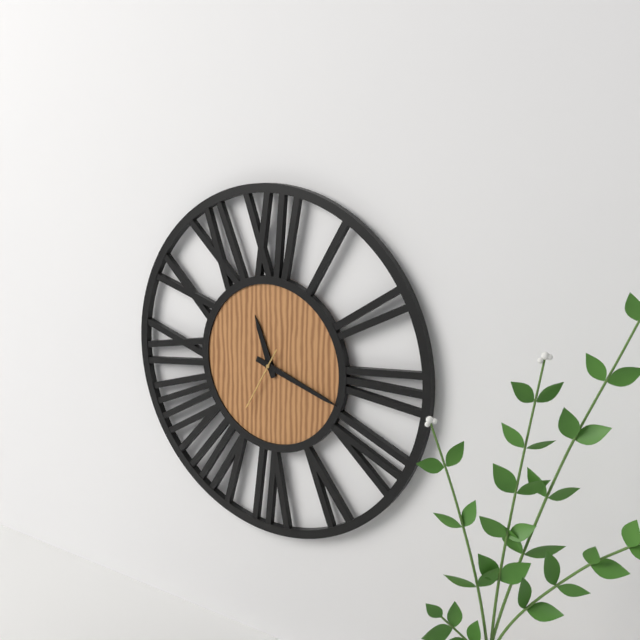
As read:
11,18,35
